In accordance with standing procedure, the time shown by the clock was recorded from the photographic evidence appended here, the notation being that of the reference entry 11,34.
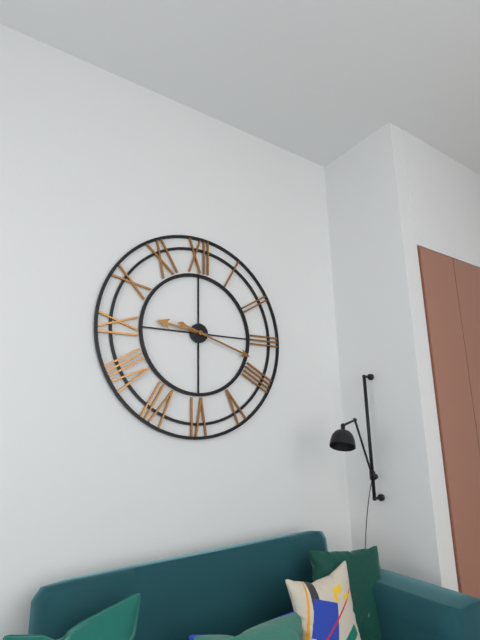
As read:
9,18
